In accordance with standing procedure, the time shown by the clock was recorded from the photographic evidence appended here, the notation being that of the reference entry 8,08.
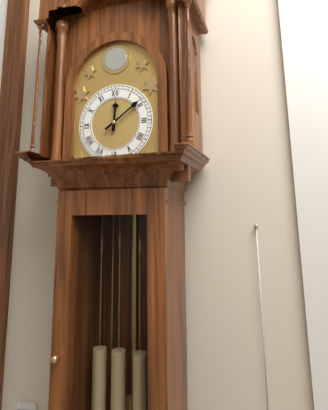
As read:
12,09
